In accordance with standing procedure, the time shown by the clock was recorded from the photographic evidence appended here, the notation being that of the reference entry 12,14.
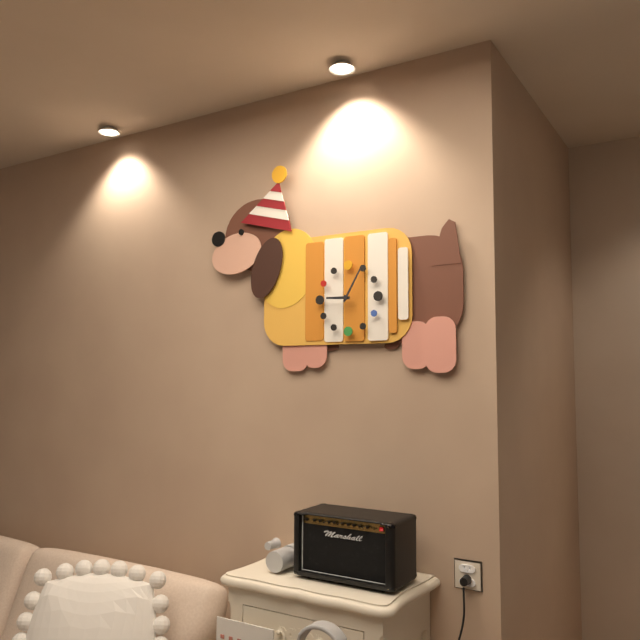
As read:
9,05
